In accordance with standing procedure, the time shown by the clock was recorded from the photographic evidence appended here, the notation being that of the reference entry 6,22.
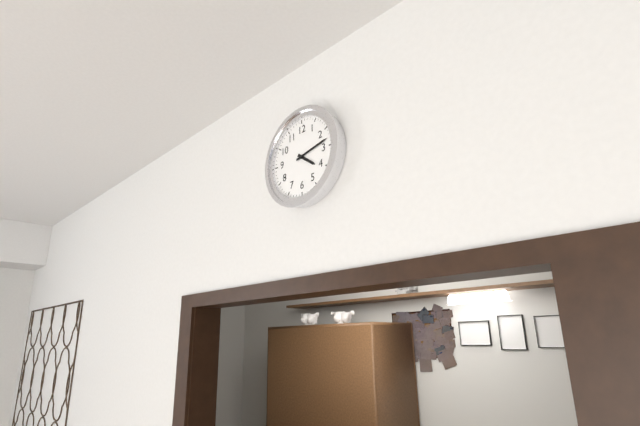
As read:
4,13
